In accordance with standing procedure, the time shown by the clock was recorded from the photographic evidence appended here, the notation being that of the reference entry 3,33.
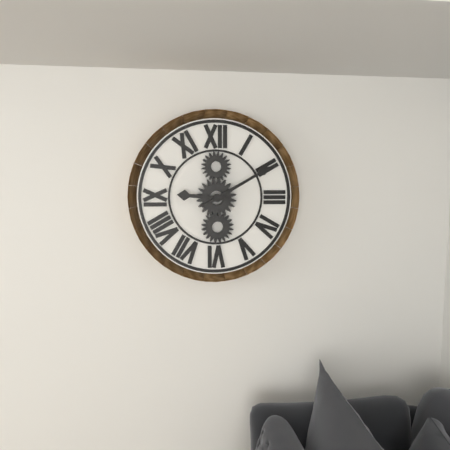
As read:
9,10
